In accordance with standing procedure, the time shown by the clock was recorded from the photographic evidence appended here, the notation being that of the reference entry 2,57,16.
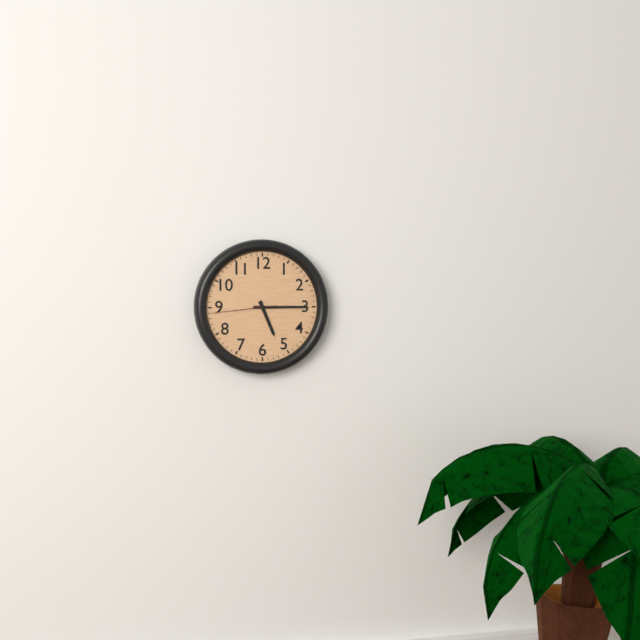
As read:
5,15,44
